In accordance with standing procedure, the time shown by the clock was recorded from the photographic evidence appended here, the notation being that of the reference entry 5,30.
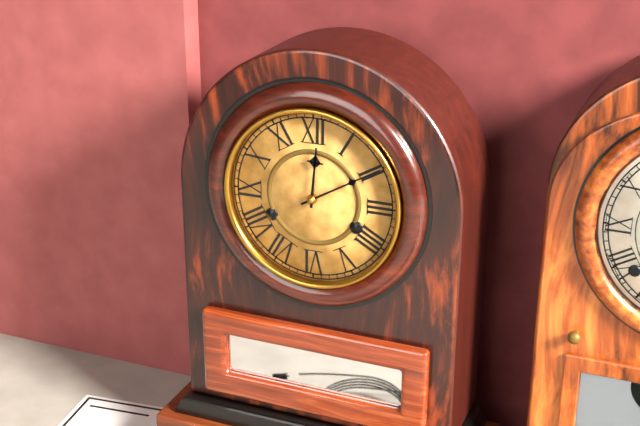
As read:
12,10
